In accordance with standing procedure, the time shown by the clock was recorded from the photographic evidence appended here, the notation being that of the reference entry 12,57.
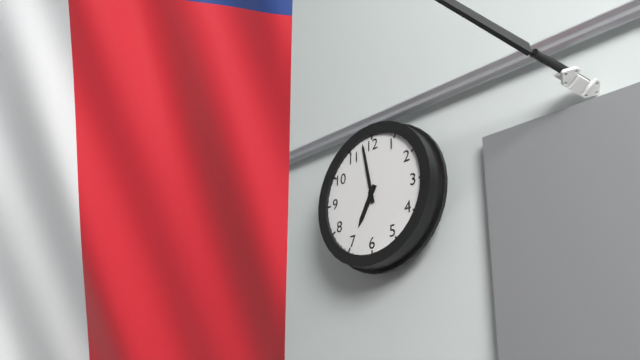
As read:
6,58
